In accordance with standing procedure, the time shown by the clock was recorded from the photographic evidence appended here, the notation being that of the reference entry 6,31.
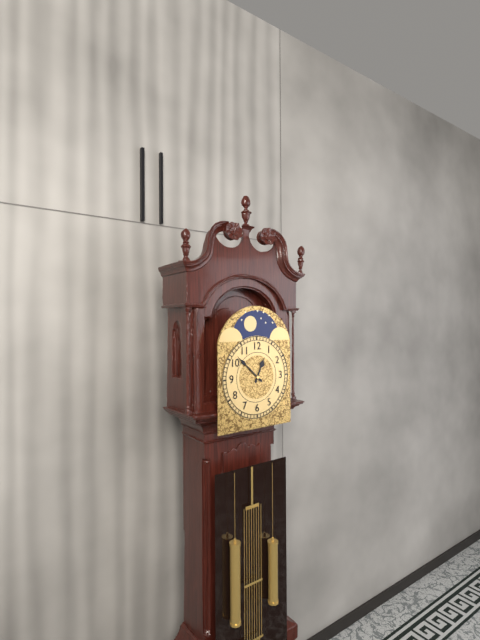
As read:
12,52
